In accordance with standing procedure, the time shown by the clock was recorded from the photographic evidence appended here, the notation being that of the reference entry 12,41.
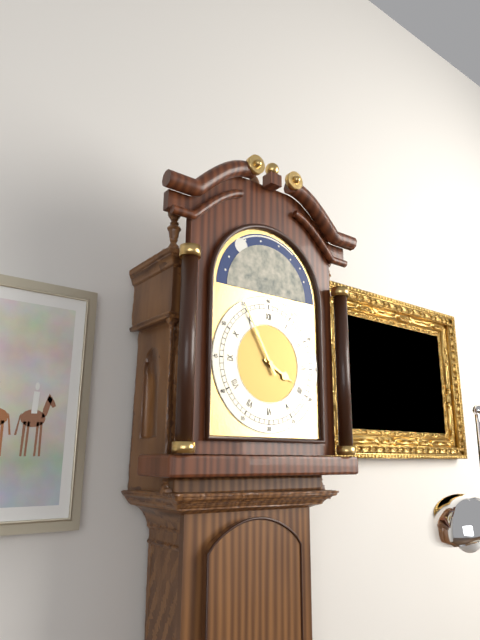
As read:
3,55
